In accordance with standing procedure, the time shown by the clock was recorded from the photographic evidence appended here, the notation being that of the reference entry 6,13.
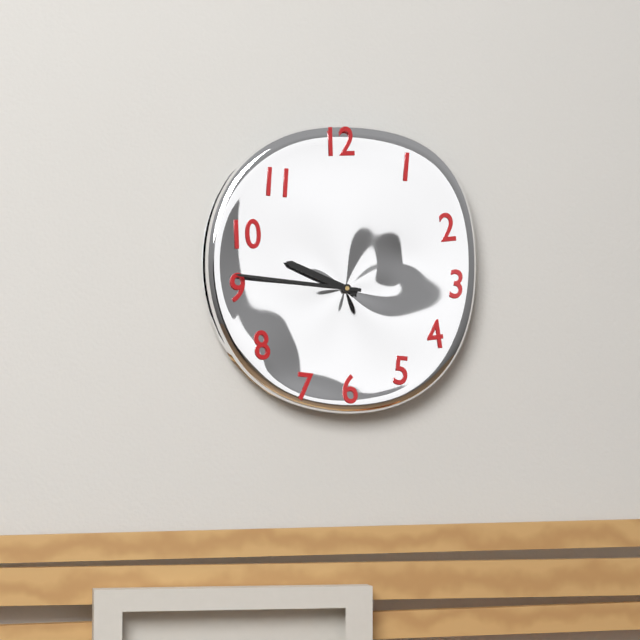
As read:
9,46
